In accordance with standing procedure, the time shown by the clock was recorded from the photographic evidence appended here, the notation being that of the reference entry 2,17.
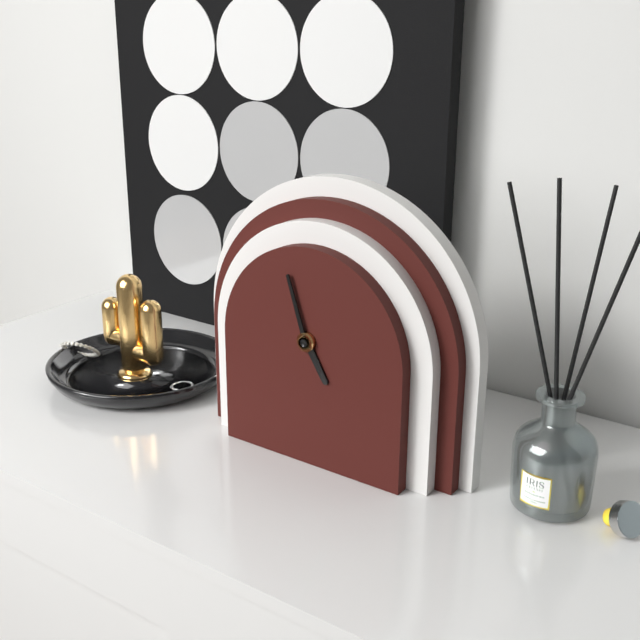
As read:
4,57
